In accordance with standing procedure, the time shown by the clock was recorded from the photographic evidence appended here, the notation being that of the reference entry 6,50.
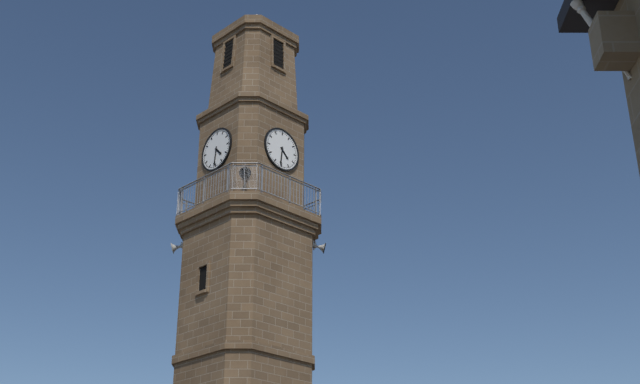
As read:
4,31
